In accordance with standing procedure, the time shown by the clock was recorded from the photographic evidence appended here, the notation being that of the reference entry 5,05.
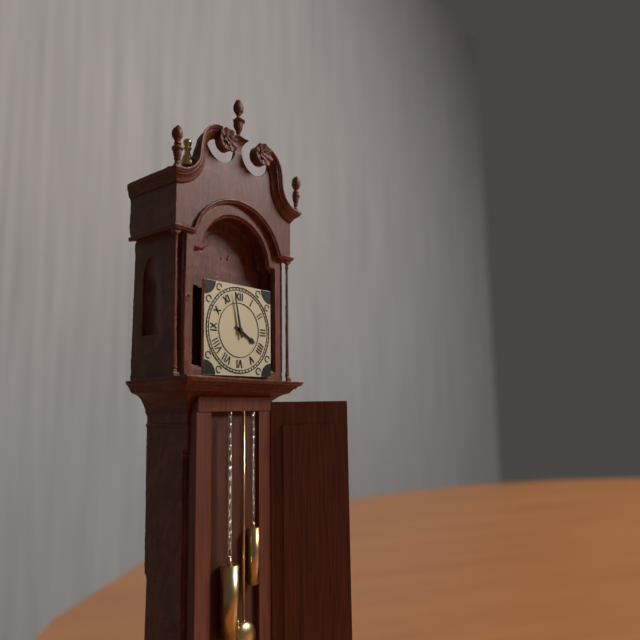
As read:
3,58
